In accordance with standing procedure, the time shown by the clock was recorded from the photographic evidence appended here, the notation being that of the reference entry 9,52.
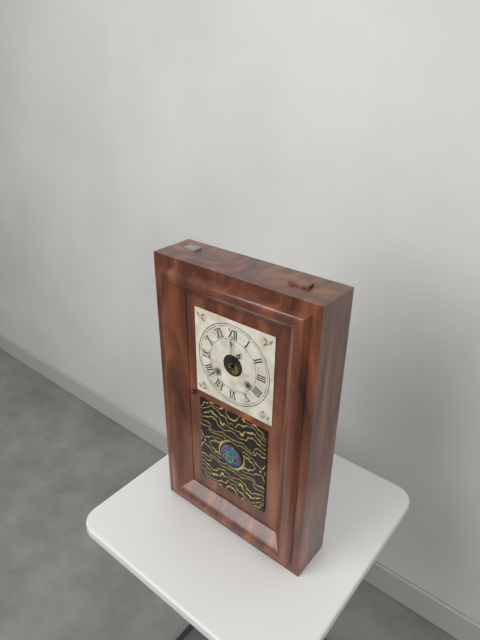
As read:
1,00
